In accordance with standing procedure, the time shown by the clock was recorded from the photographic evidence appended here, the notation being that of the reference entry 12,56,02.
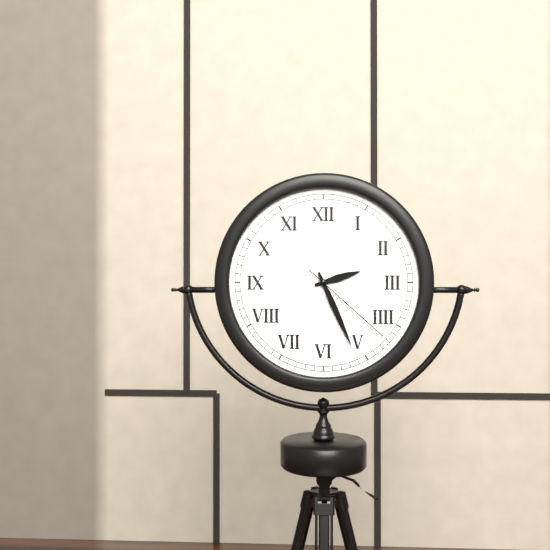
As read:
2,26,22
